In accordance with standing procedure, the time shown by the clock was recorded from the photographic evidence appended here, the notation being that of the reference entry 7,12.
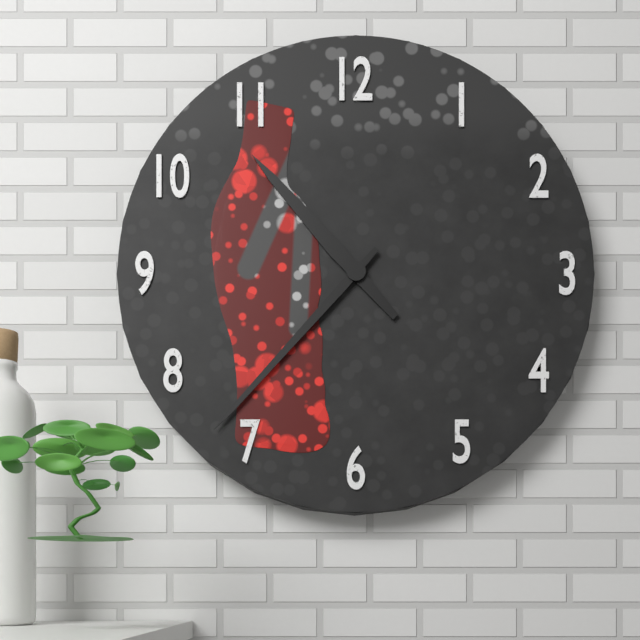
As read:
10,37
